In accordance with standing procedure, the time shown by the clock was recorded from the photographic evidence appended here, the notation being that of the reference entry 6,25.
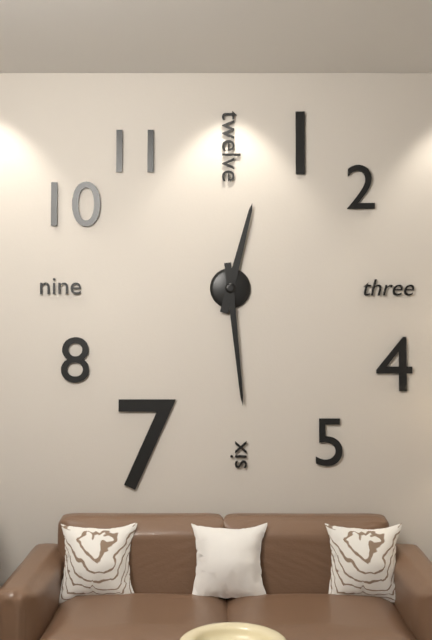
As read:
12,29
